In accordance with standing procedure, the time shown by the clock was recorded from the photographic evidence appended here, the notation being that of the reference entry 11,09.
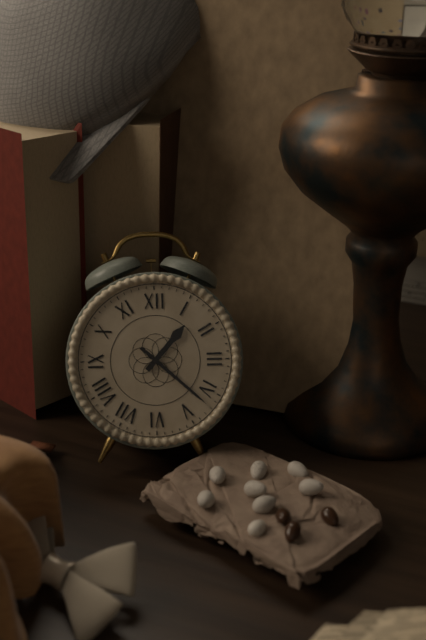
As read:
1,22
